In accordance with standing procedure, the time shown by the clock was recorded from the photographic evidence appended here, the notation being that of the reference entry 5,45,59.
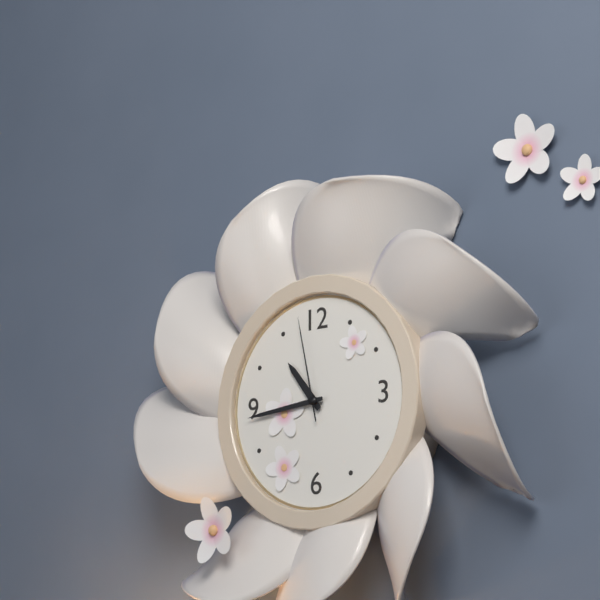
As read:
10,44,58
